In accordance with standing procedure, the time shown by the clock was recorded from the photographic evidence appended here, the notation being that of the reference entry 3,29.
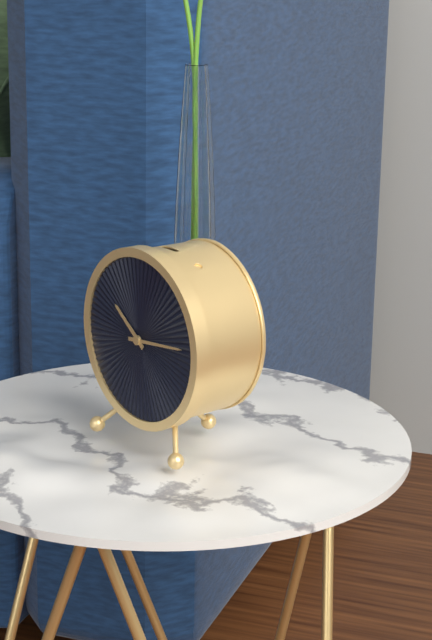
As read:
10,14
